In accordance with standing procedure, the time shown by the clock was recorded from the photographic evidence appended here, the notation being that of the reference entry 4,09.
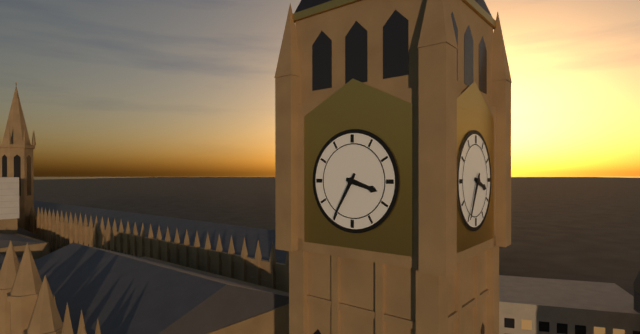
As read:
3,35
